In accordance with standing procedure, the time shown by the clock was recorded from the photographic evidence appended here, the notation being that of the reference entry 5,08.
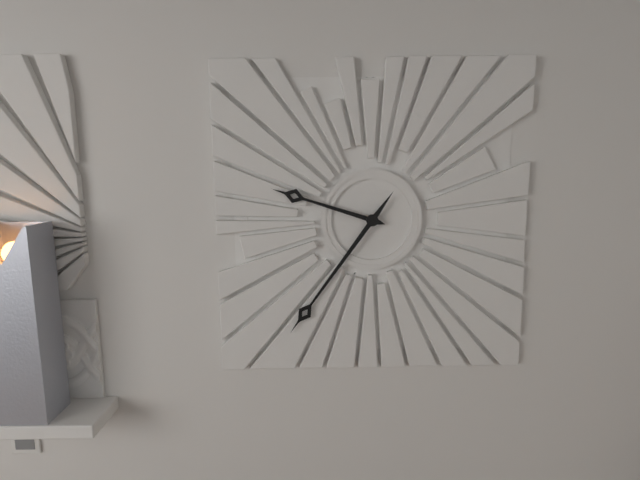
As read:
9,36
